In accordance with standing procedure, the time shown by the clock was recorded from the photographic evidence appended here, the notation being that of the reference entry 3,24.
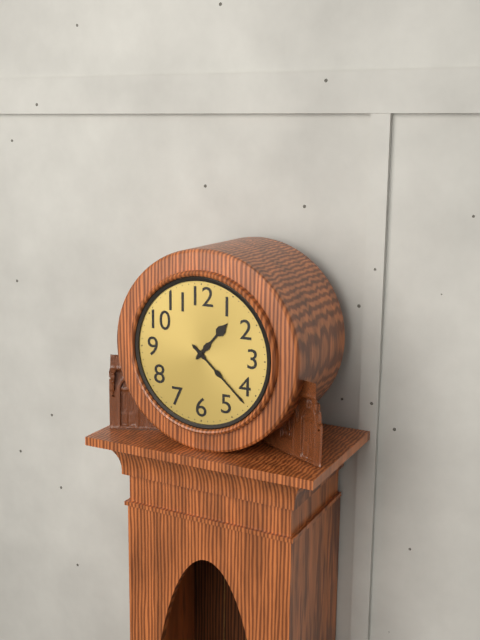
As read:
1,22
